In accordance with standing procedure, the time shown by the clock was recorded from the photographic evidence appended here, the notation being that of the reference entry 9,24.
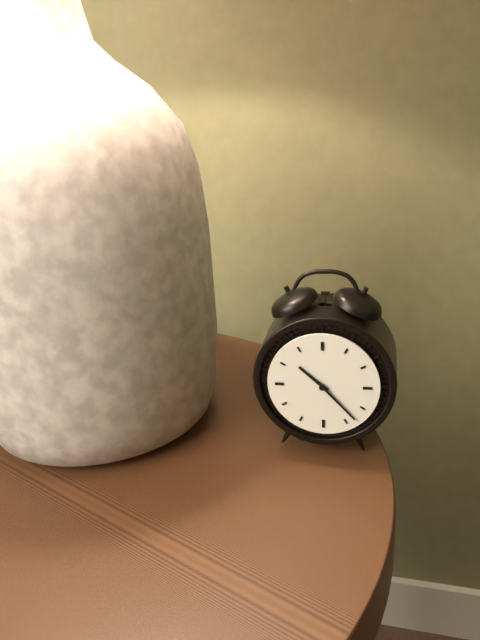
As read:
10,23
